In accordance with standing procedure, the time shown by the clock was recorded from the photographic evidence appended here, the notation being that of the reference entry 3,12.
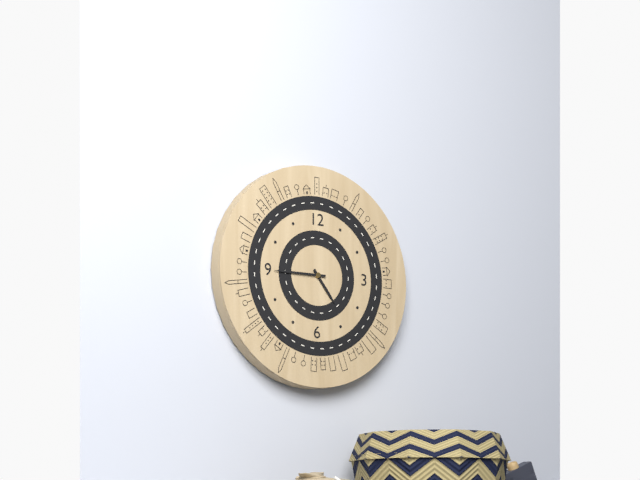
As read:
4,45
